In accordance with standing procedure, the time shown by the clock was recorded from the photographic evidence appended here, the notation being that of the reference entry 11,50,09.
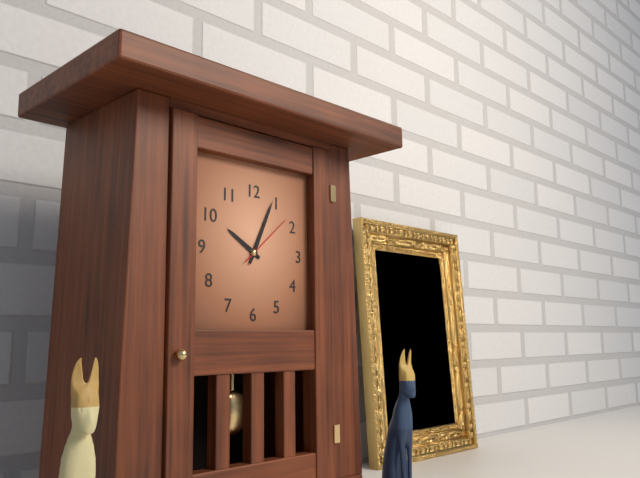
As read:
10,04,08
